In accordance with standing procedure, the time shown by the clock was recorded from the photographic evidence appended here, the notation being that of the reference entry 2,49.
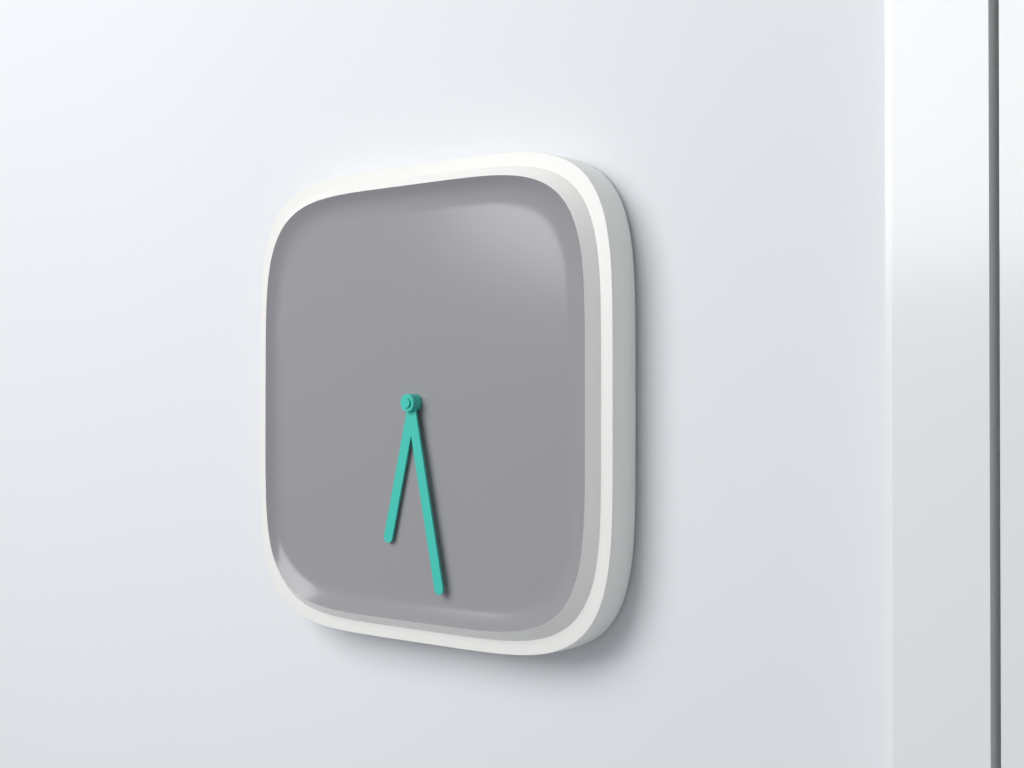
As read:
6,28
